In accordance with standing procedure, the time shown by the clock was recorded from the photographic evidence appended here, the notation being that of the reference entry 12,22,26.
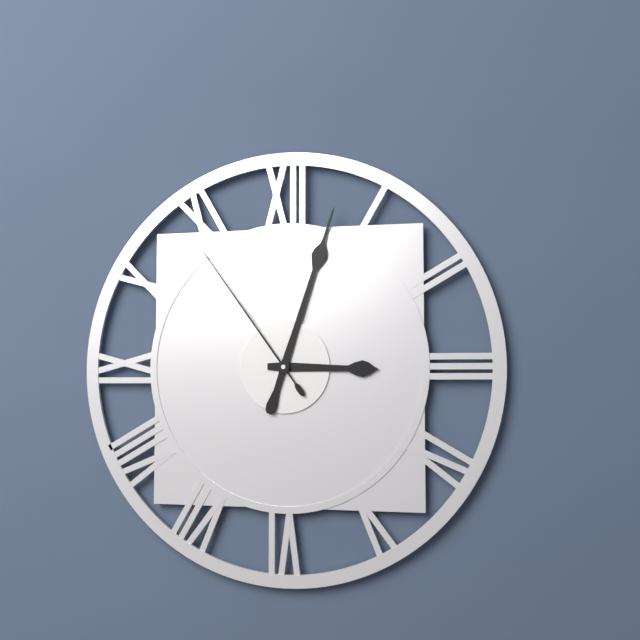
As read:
3,03,54
